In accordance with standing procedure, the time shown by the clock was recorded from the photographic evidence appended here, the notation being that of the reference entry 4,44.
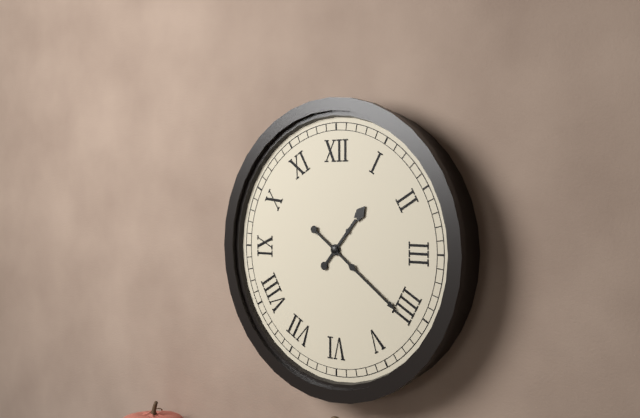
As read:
1,21
